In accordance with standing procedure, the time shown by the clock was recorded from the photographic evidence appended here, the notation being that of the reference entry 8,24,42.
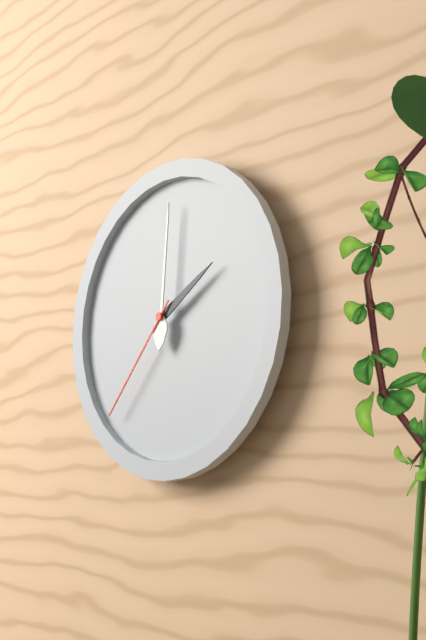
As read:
2,01,37
